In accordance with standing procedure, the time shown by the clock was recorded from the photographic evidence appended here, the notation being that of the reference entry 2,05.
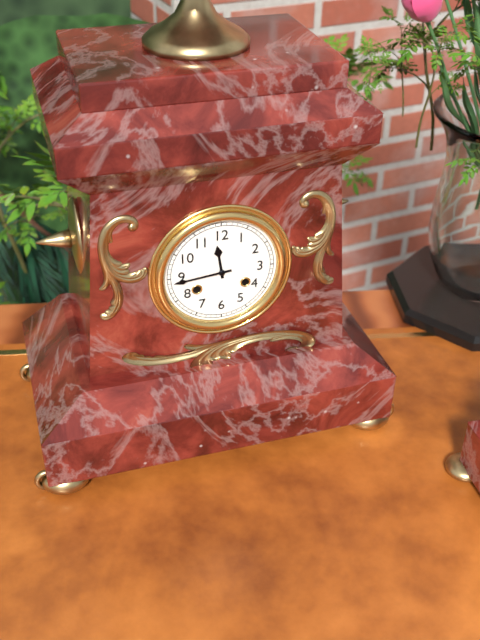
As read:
11,44
